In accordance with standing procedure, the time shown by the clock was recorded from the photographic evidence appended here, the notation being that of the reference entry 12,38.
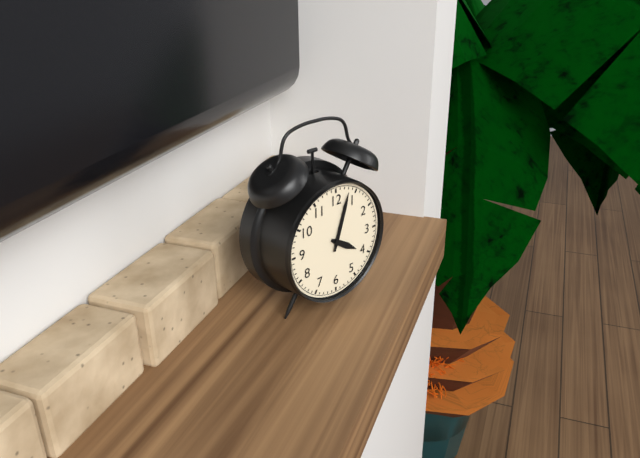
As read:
4,03
